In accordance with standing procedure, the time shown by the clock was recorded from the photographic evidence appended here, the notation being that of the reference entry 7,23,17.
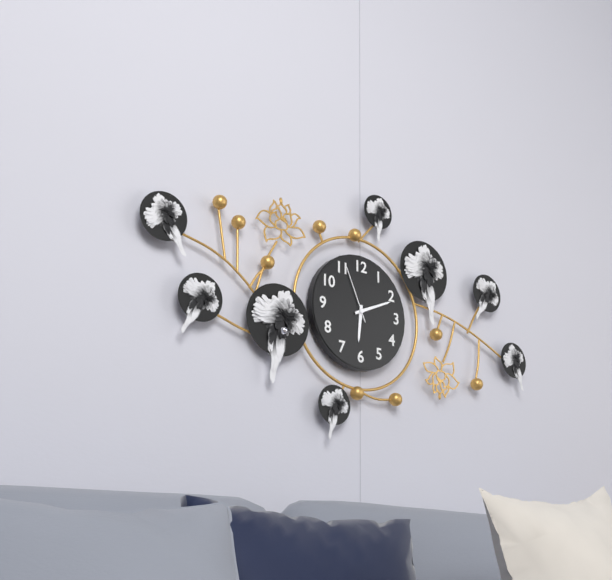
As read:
6,11,56
